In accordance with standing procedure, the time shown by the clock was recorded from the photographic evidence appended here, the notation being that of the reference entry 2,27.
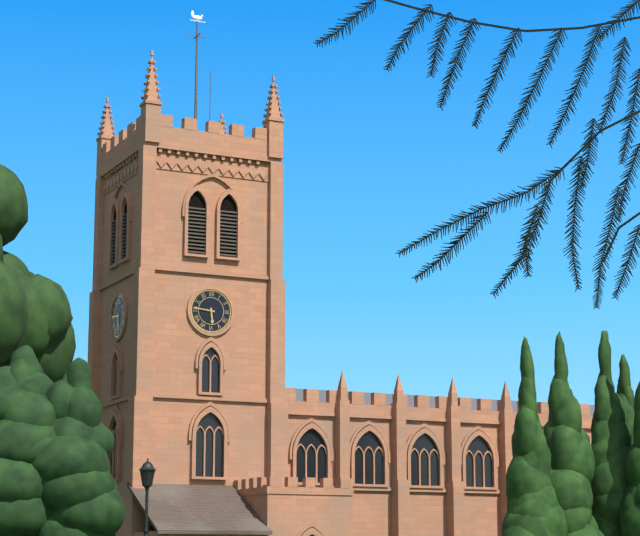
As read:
5,46
